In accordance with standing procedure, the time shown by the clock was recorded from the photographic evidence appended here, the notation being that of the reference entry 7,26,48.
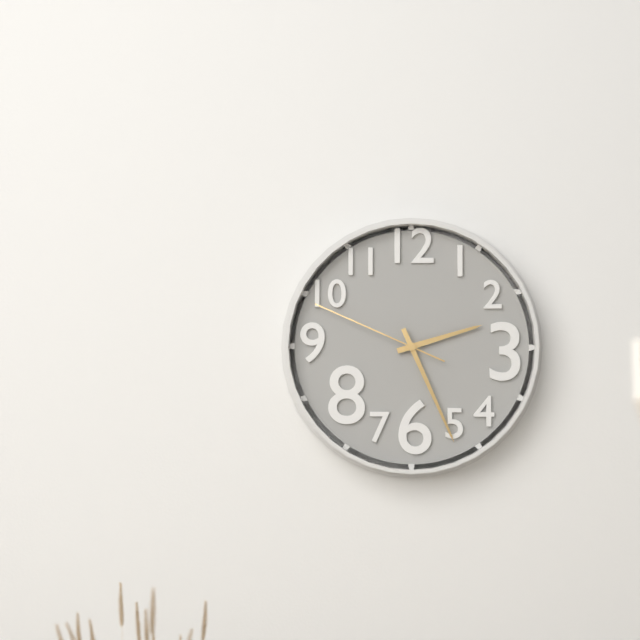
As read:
2,26,49
